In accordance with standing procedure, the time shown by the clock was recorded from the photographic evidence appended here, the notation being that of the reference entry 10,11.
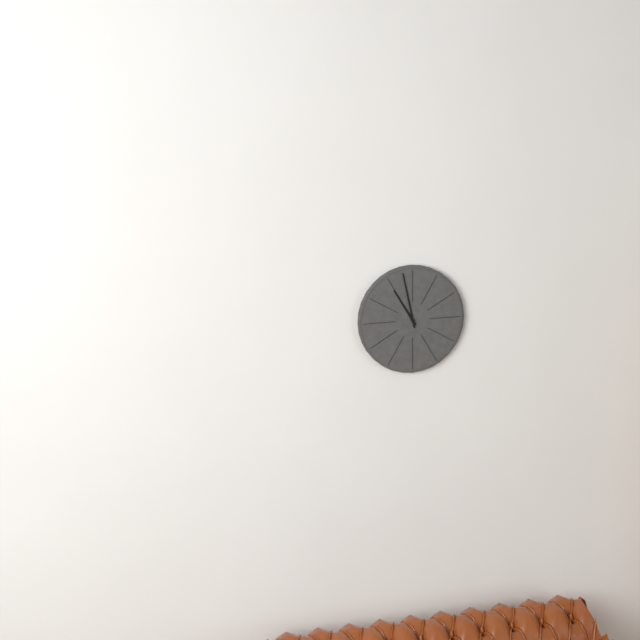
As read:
10,58
